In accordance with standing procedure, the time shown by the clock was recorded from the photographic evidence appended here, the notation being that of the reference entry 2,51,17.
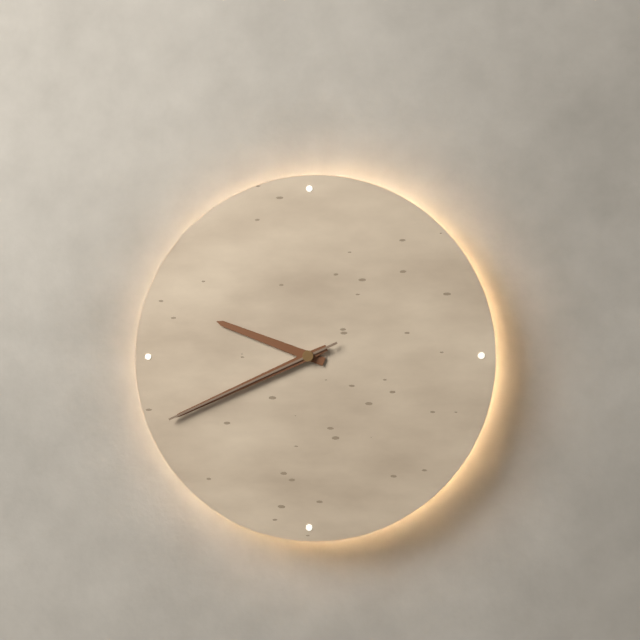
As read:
9,41,41
